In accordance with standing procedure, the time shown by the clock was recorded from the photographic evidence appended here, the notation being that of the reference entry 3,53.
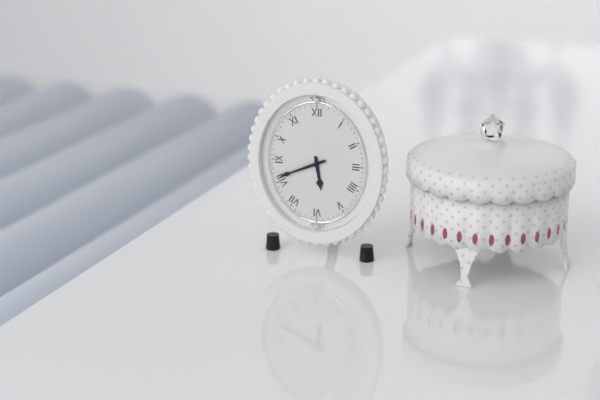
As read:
5,41
